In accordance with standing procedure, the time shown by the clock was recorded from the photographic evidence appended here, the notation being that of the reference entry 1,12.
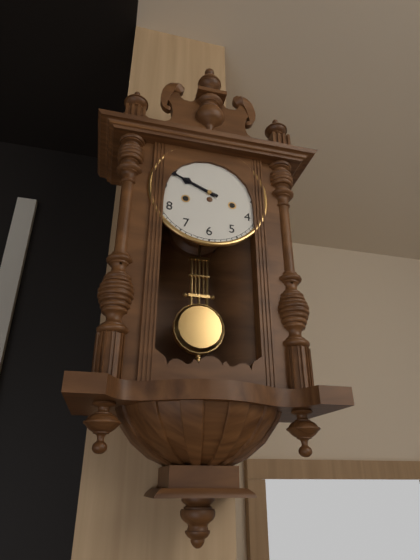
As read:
9,49
